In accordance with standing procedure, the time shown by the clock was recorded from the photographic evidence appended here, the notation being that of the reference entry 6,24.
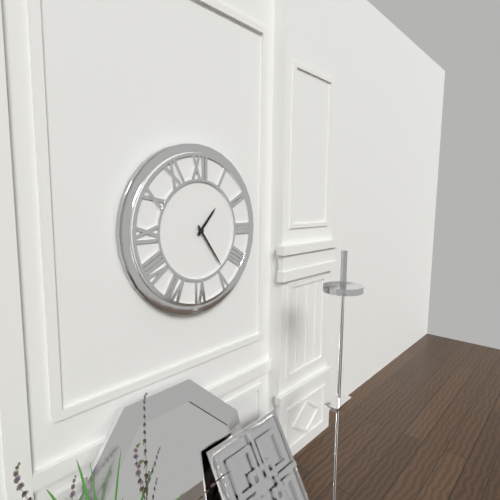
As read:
1,24
